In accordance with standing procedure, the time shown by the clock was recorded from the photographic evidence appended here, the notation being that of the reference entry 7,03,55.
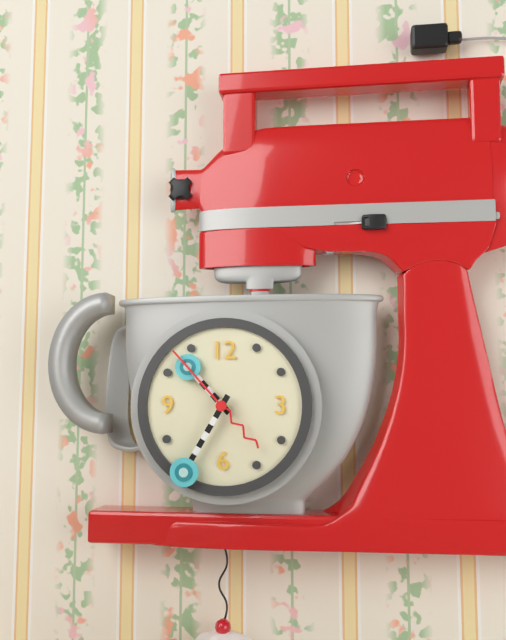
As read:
10,35,53
